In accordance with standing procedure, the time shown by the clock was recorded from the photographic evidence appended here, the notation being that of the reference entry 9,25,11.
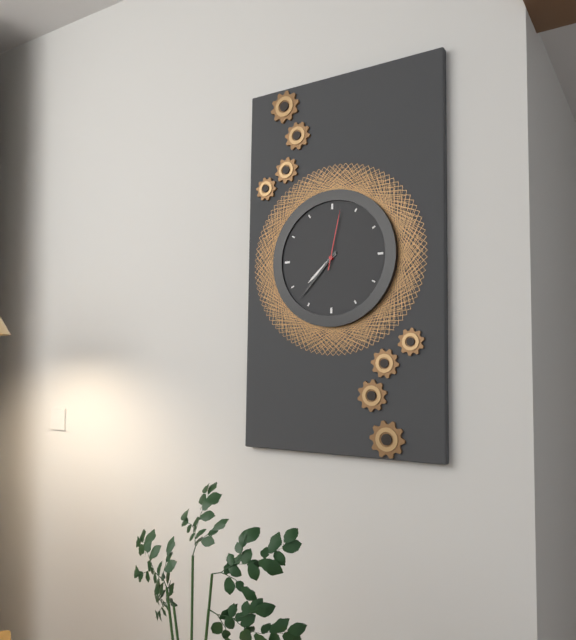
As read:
7,37,02
